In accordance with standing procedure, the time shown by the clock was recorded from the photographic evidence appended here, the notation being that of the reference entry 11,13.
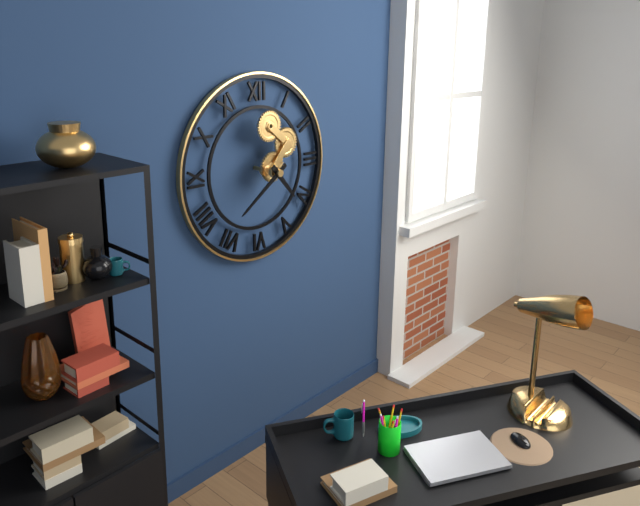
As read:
4,39
